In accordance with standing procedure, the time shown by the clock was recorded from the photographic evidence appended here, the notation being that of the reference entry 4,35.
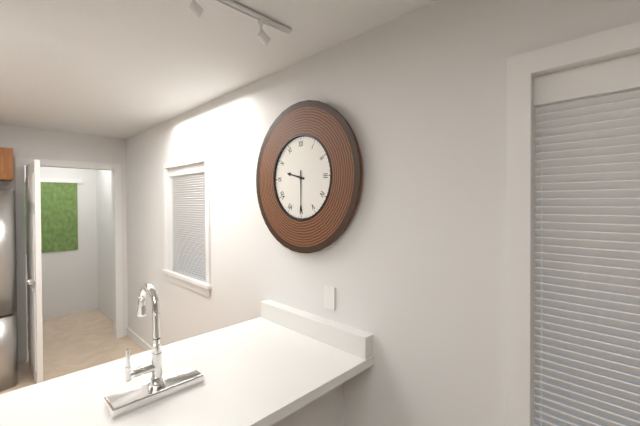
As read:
9,30
